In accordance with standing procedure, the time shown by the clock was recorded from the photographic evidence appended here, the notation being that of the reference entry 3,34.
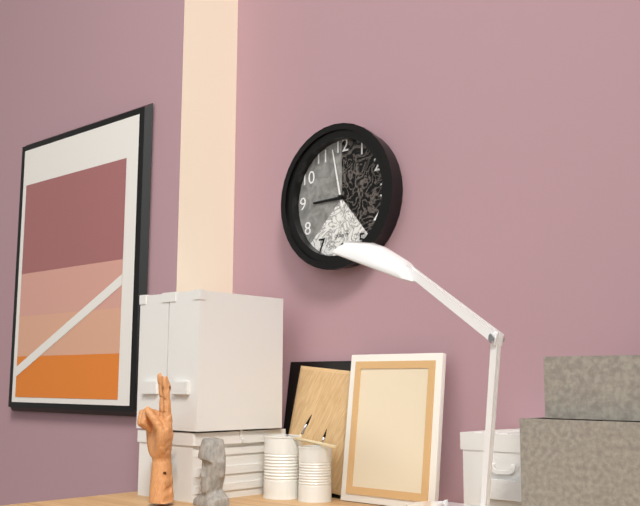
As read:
8,58
